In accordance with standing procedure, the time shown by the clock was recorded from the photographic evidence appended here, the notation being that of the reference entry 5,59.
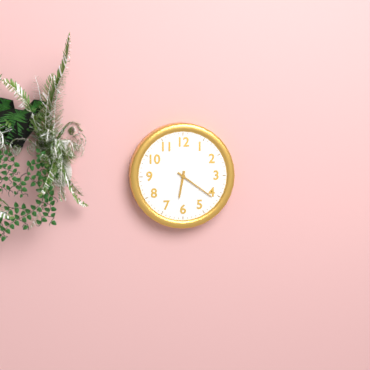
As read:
6,21
